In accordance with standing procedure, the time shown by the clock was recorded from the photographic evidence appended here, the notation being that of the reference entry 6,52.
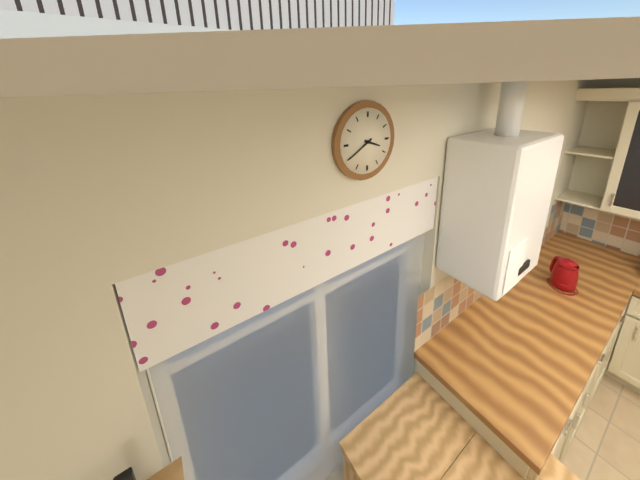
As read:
3,40
